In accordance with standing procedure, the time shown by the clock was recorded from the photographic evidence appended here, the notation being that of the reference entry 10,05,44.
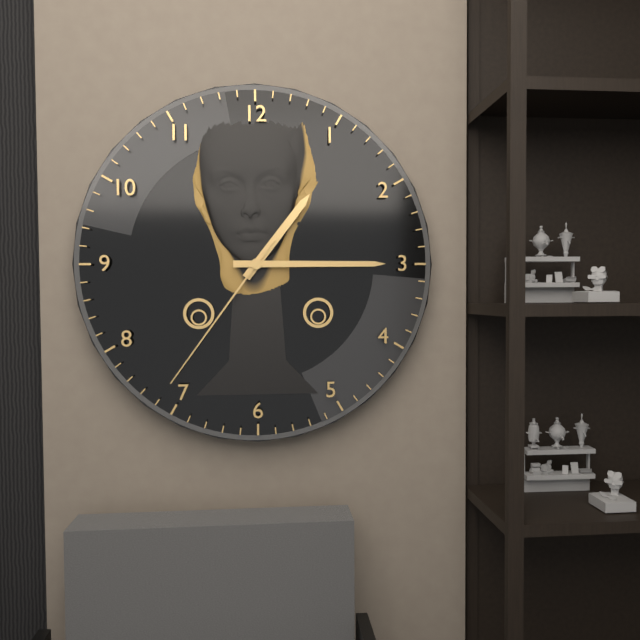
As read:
1,15,36
